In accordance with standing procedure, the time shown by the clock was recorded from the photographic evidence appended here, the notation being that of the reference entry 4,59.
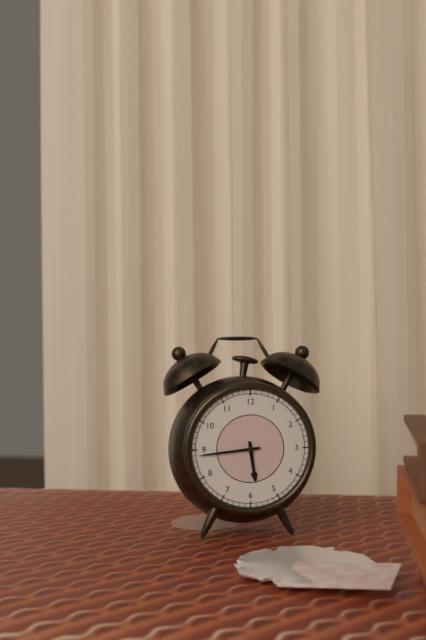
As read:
5,44
